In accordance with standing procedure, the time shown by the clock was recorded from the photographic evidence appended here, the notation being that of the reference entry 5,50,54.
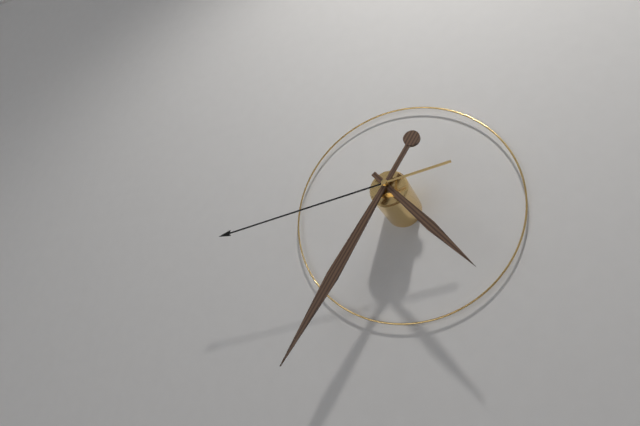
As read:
4,35,43
